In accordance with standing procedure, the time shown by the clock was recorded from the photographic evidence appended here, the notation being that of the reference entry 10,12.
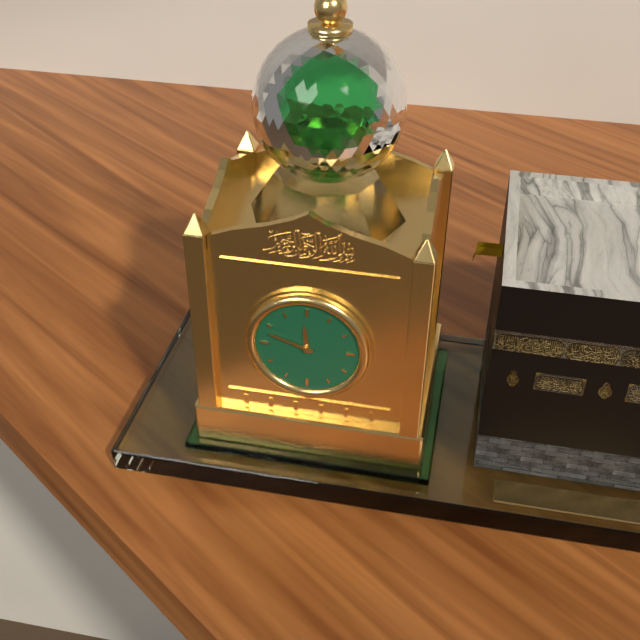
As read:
11,48
